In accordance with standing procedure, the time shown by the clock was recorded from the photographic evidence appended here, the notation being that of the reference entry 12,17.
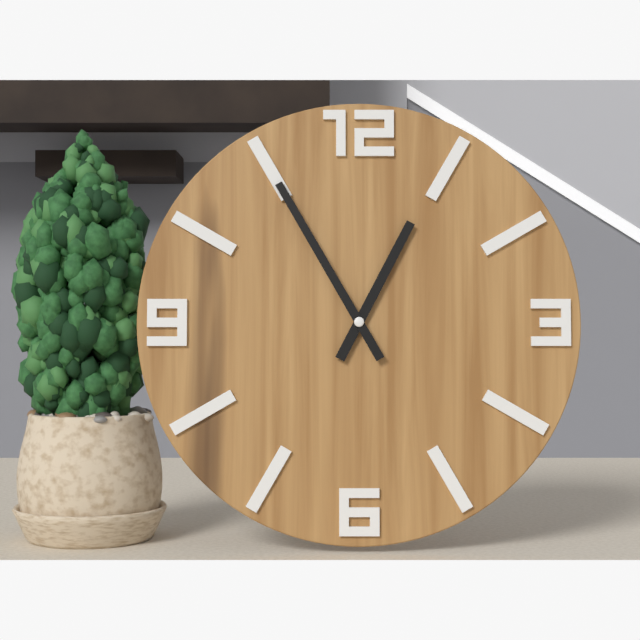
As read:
12,55
